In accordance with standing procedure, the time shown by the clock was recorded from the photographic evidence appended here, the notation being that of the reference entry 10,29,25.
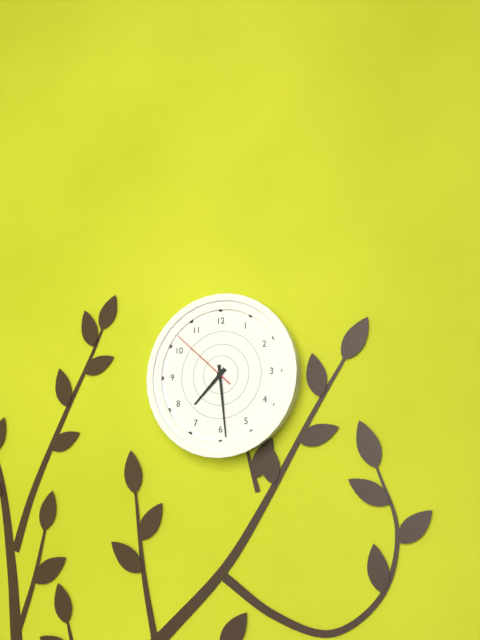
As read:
7,29,52
